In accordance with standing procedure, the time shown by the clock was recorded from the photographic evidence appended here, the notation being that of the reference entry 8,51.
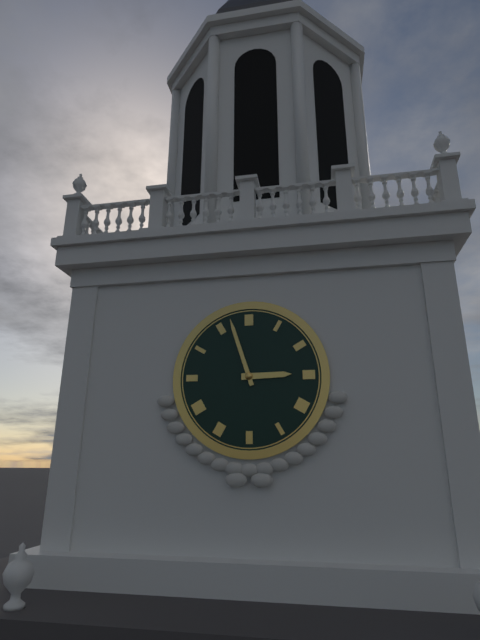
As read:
2,57
